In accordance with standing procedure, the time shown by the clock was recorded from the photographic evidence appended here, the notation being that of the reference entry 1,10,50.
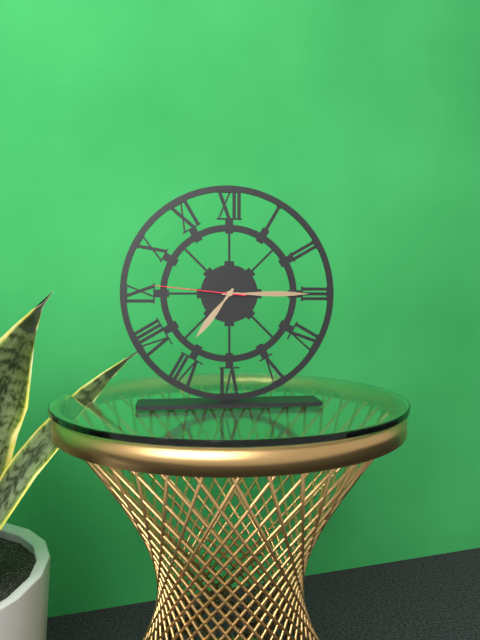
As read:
7,15,46
